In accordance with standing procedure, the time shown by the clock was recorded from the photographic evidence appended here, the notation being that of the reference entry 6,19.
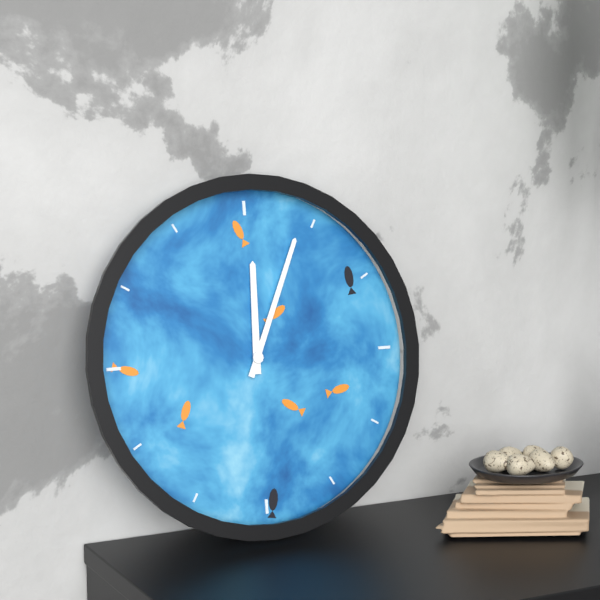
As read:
12,04
